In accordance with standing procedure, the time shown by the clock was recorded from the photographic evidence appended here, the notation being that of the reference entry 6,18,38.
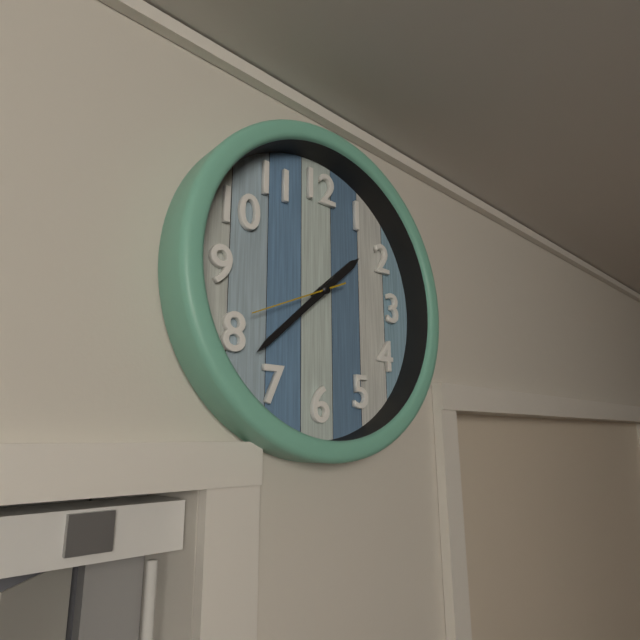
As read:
1,38,41
